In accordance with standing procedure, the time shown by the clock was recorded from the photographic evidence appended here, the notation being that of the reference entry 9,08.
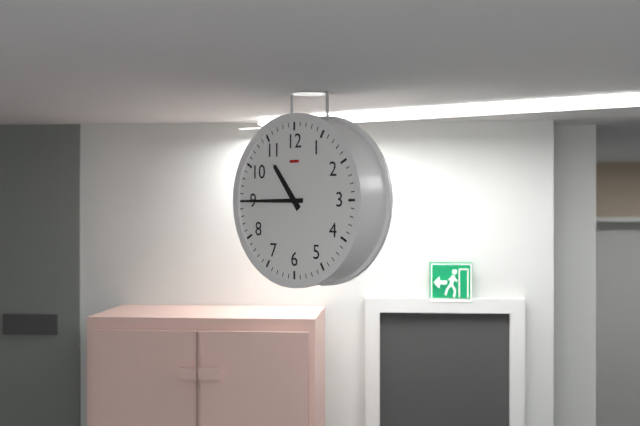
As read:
10,45
